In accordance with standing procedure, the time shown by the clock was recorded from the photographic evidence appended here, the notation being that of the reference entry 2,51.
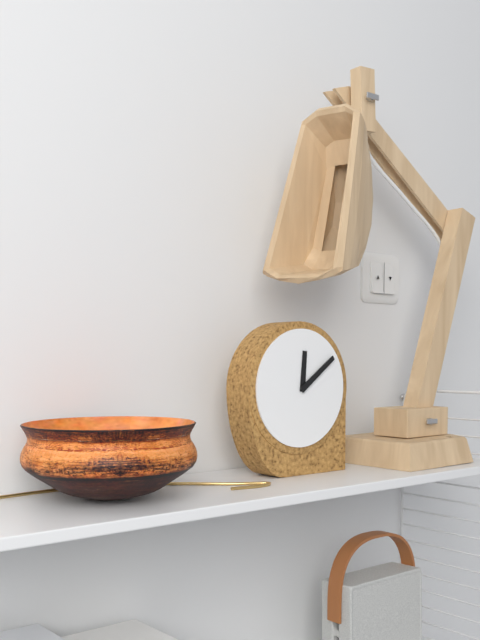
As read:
12,09
